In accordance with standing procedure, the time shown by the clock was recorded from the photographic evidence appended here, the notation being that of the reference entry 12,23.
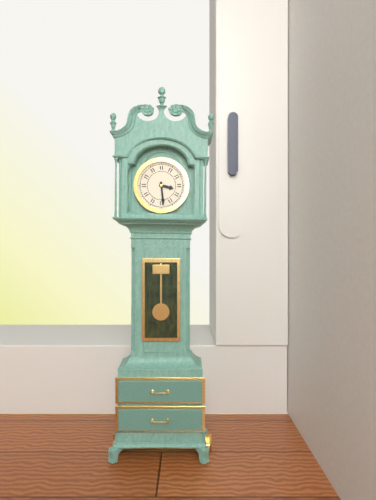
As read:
3,29
